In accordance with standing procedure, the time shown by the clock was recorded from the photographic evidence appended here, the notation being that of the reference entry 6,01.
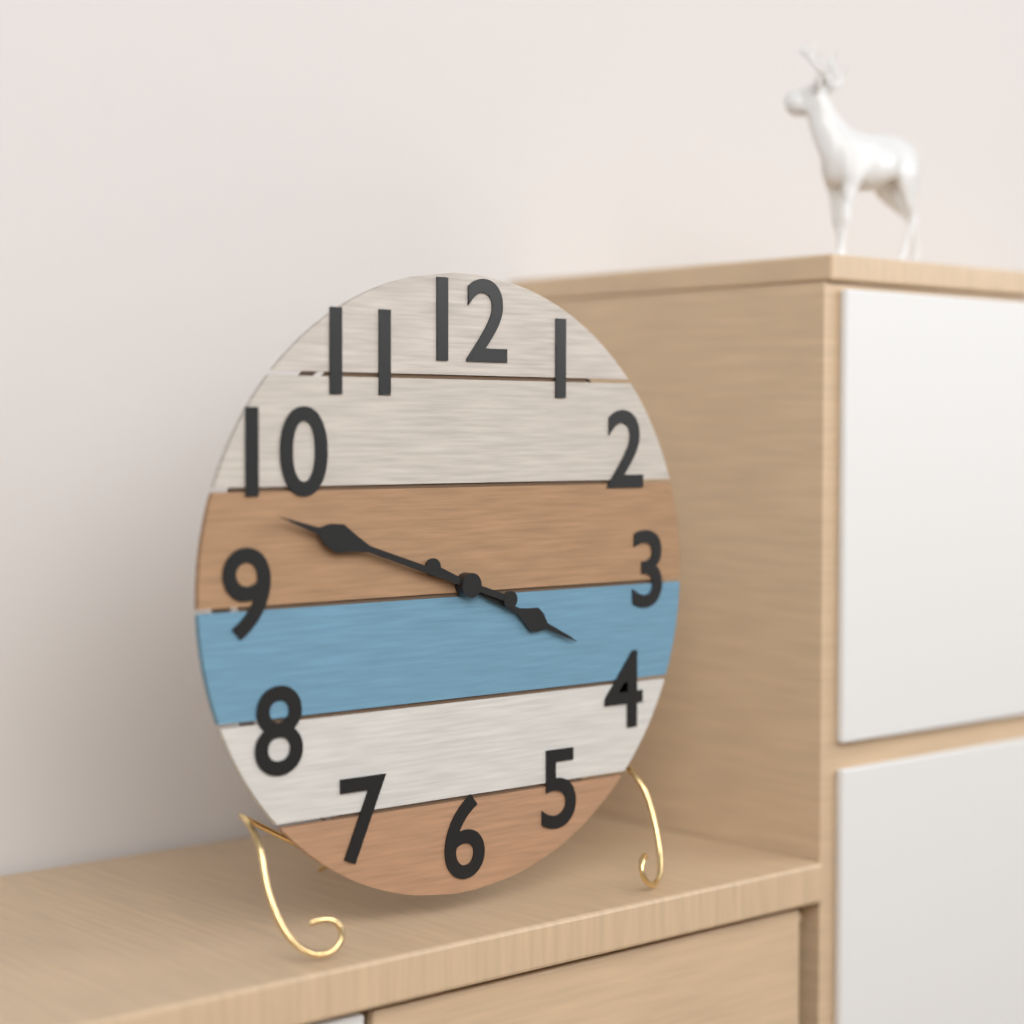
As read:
3,48
